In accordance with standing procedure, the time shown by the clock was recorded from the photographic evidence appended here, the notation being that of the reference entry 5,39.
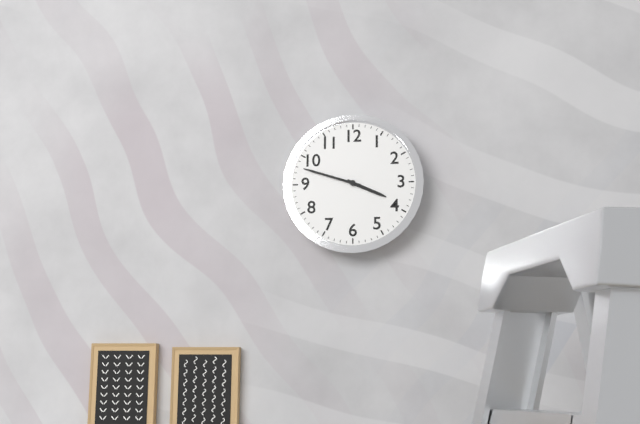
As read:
3,48
